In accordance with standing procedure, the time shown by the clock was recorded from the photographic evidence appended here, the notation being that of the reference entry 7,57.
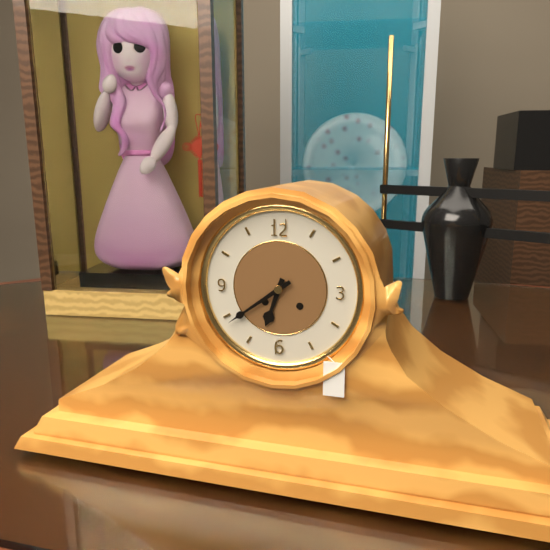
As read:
6,39
